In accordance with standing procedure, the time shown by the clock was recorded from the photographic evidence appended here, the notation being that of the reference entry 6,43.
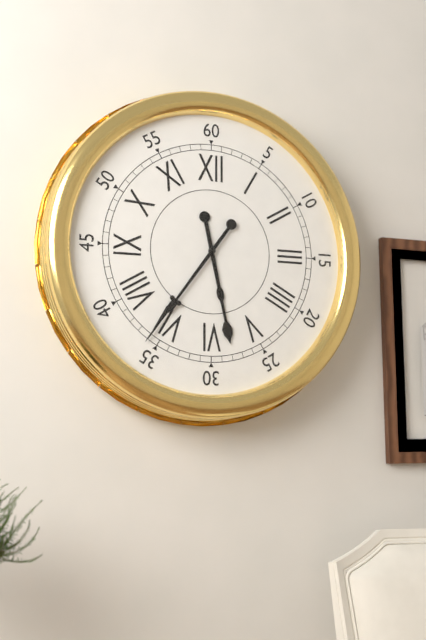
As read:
5,36
